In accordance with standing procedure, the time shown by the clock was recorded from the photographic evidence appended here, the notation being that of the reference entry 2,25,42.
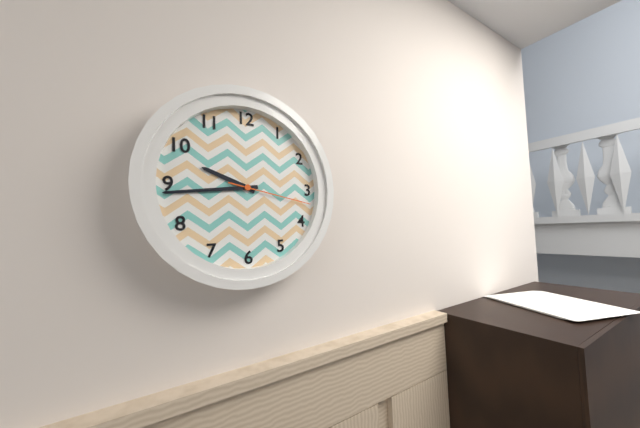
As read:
9,44,17
